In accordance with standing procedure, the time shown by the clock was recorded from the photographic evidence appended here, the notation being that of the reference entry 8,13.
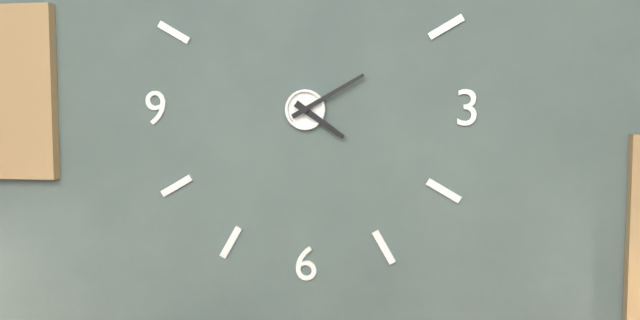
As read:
4,10
